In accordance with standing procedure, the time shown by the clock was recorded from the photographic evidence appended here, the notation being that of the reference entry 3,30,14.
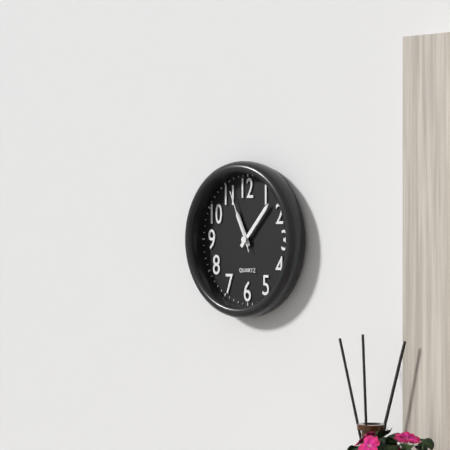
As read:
11,07,56
